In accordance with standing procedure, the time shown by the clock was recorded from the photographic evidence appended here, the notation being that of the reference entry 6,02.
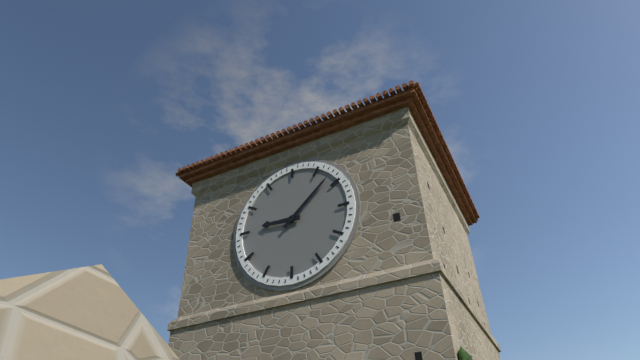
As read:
9,08
